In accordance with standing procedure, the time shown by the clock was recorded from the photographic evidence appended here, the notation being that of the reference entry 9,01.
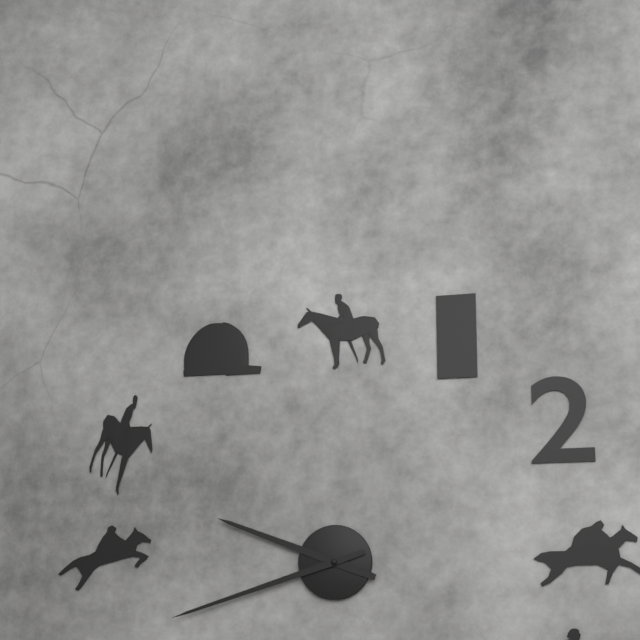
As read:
9,42
